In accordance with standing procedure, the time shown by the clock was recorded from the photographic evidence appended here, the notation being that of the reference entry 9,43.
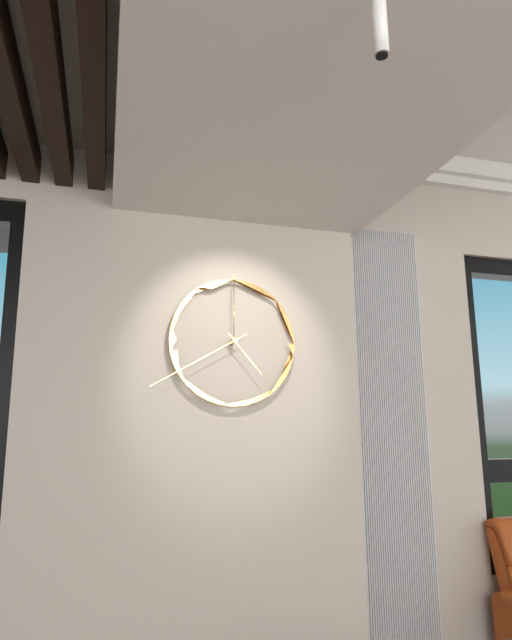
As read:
4,40
